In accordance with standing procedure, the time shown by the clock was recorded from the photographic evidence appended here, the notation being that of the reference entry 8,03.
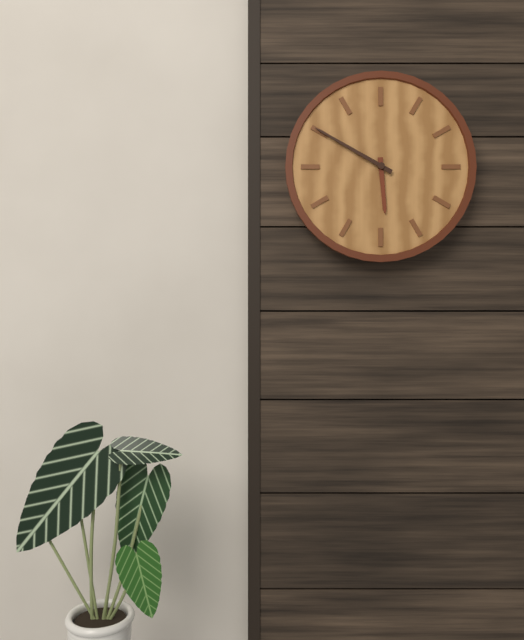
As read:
5,50
